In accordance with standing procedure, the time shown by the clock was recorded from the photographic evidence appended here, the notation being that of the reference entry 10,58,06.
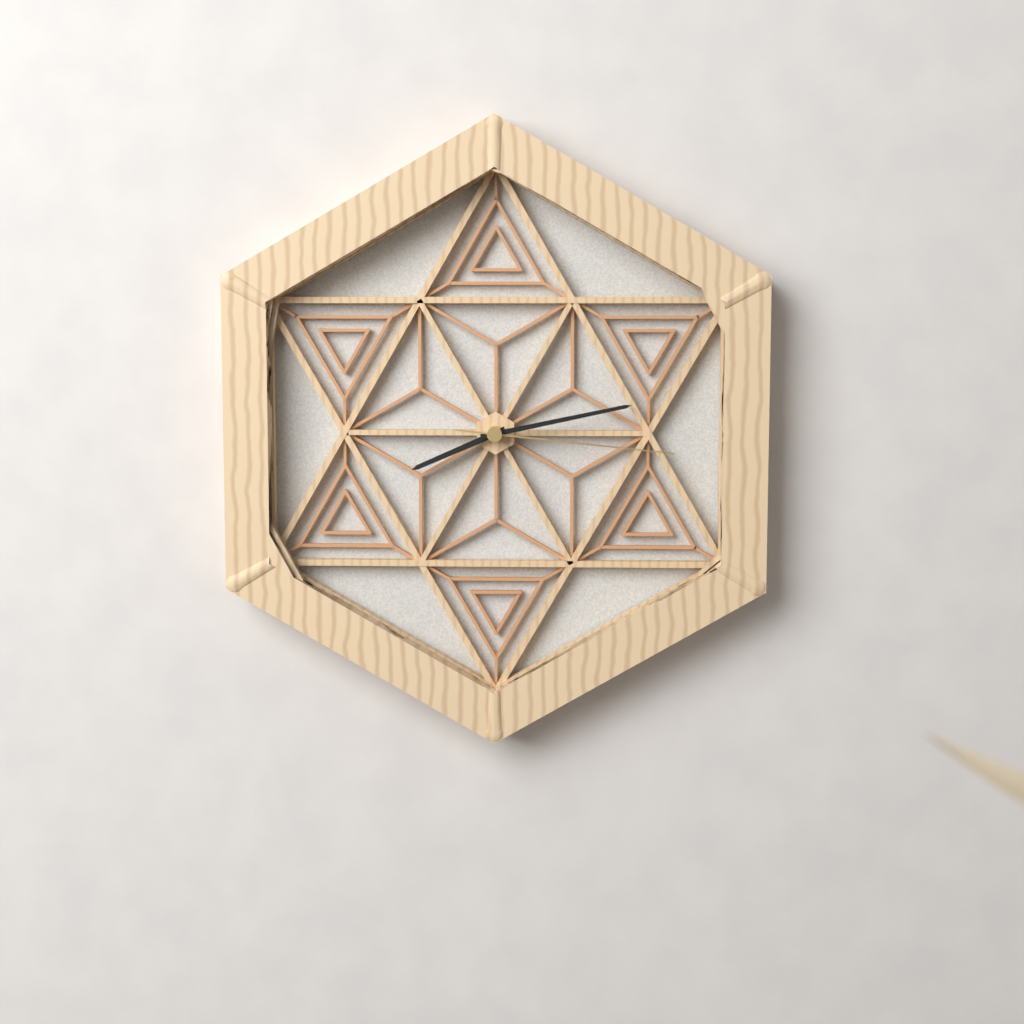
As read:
8,13,16
